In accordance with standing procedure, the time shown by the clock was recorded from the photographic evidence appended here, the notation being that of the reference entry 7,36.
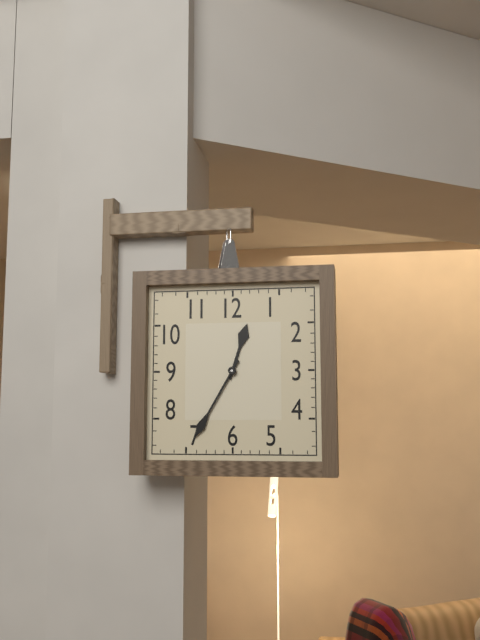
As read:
12,35
